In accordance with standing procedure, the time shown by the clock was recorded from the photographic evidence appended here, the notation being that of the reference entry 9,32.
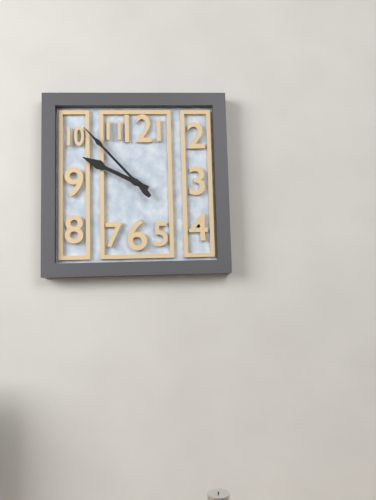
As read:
9,53
